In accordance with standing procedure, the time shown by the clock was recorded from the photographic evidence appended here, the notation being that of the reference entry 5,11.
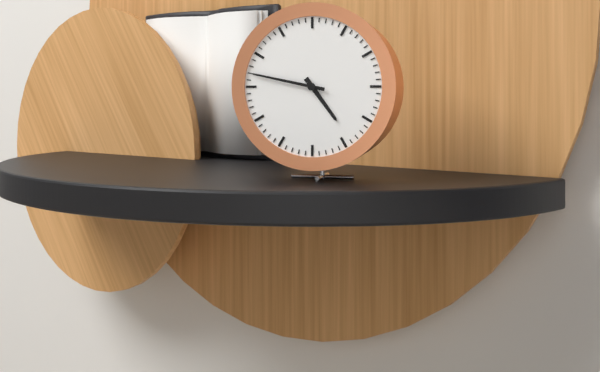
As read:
4,47
